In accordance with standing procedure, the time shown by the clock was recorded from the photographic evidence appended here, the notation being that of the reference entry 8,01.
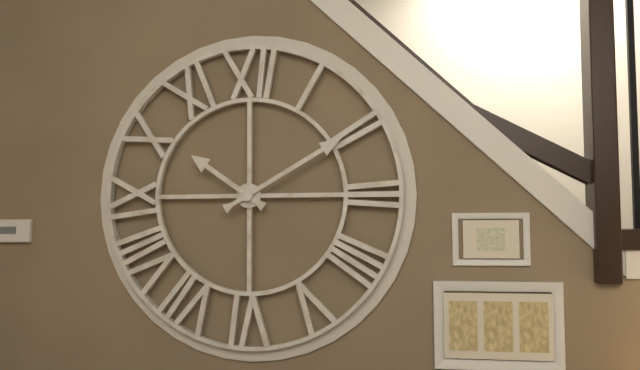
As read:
10,10
